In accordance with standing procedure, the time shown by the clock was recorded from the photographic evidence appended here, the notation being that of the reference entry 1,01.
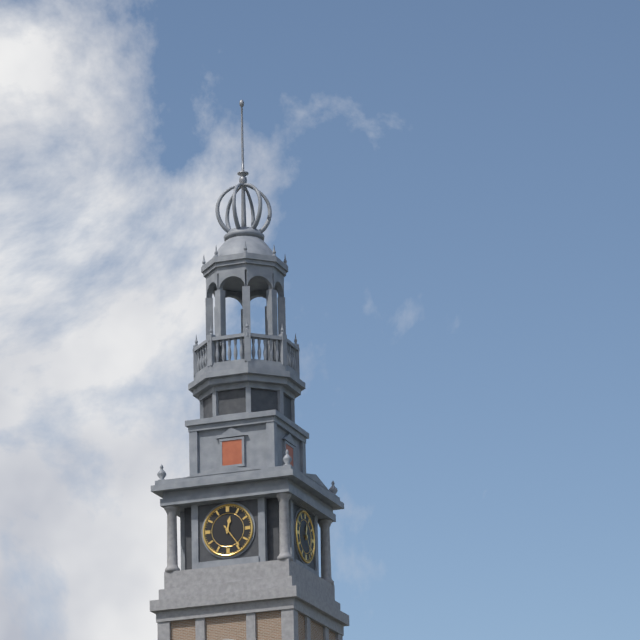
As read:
12,24
